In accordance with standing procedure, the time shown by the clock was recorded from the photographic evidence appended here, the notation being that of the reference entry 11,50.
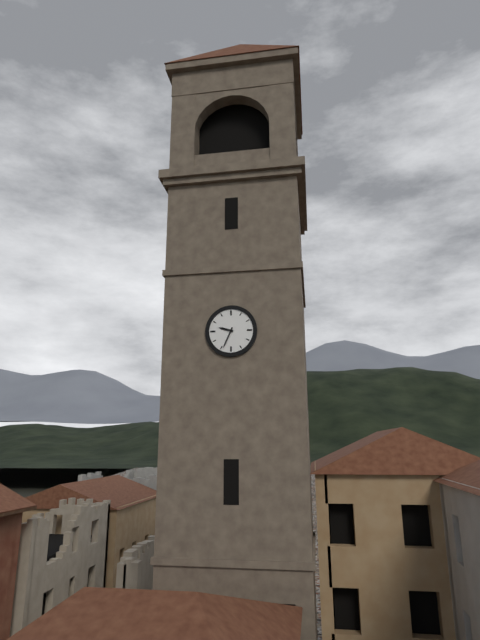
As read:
9,34
